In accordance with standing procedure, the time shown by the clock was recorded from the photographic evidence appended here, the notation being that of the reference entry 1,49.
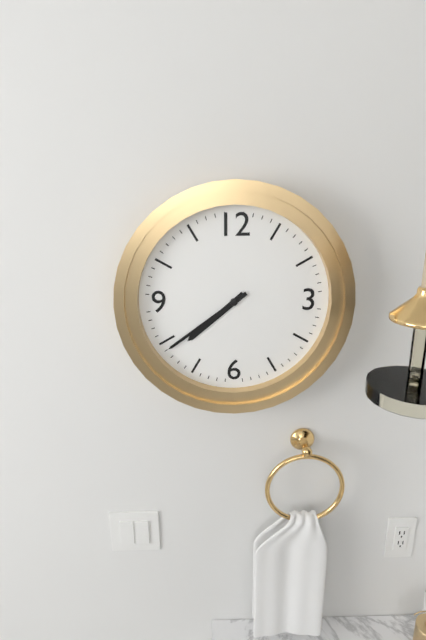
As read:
7,39
